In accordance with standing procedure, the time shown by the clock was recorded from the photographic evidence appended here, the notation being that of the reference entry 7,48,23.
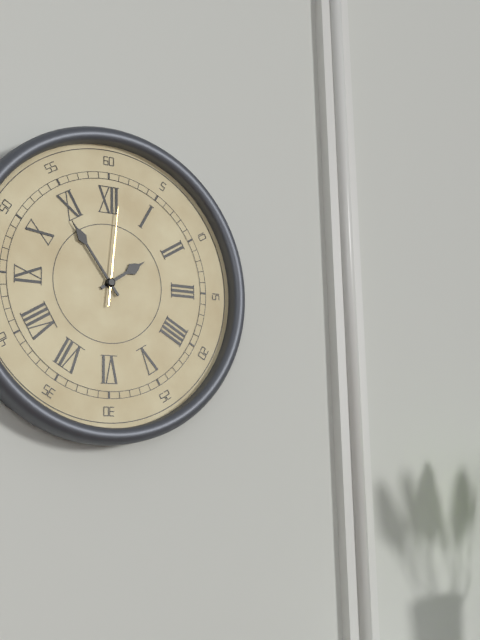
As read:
1,54,01
